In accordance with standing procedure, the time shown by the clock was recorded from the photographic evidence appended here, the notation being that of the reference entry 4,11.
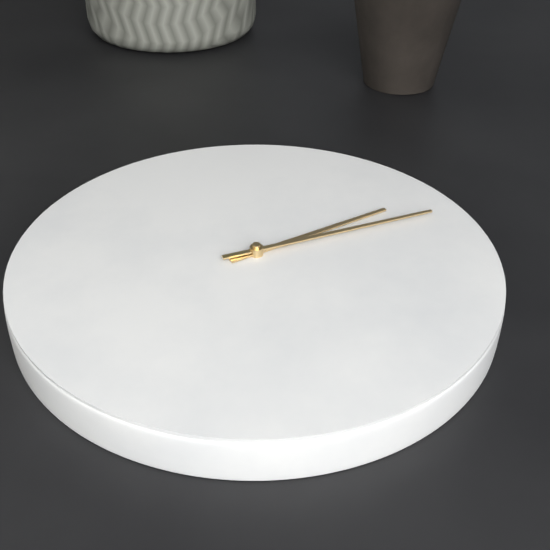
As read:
3,18
